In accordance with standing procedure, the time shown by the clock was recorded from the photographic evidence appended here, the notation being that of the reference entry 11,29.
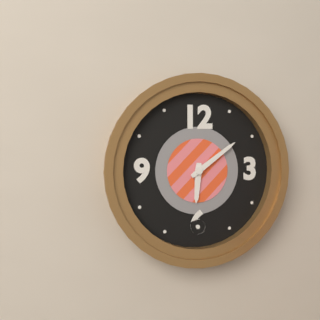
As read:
6,09
